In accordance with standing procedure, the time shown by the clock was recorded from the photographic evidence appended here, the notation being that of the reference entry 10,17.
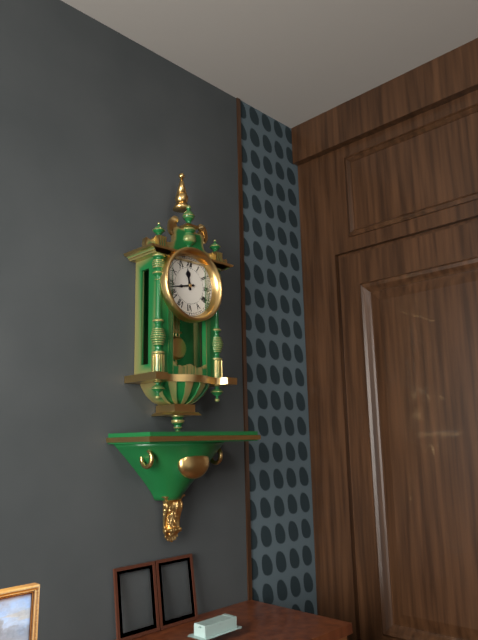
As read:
11,43
